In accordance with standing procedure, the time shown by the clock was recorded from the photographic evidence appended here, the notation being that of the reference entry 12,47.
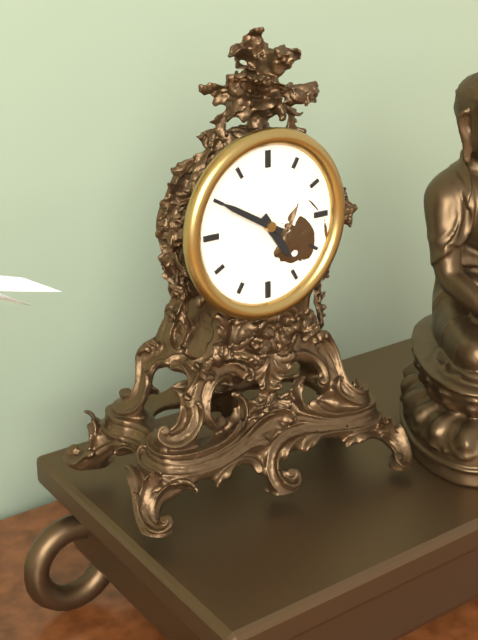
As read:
4,50
